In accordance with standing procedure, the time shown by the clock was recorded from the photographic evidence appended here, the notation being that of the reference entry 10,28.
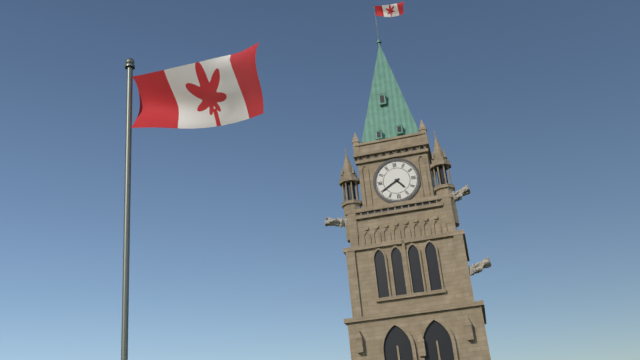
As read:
4,40
